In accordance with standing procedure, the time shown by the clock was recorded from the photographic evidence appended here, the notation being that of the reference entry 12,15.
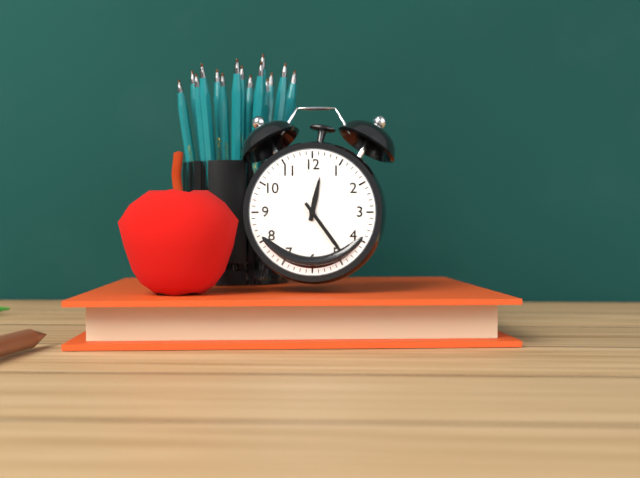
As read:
12,24
